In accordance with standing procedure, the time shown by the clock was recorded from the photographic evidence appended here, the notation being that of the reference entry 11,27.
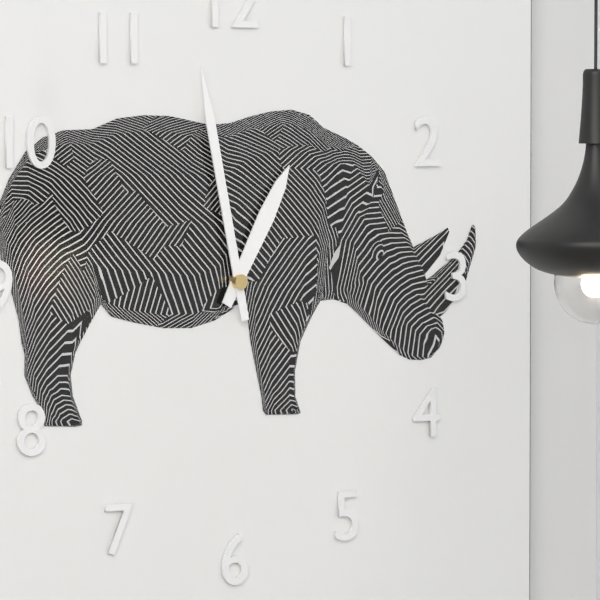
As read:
12,58
